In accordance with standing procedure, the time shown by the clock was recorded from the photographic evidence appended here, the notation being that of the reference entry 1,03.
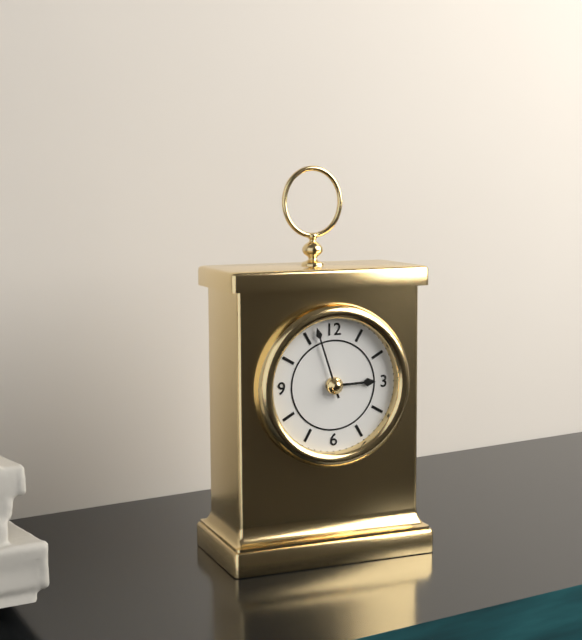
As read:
2,57
